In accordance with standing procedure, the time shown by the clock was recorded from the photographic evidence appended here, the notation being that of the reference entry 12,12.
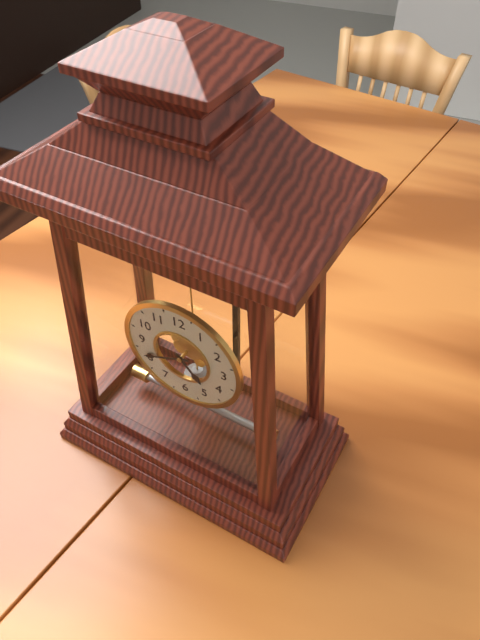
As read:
4,41
